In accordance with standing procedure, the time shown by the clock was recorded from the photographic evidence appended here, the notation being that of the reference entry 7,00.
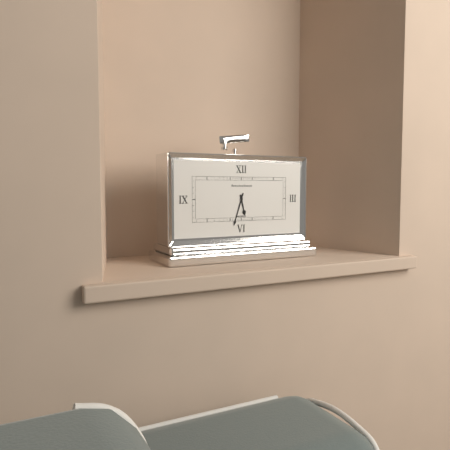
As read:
5,33
